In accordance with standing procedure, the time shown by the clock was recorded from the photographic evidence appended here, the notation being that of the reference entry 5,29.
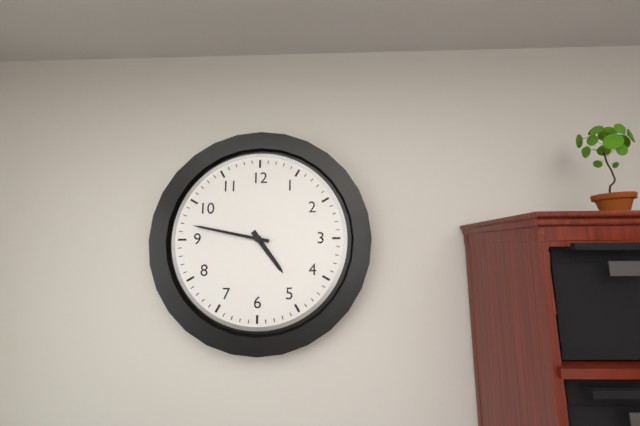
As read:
4,47
